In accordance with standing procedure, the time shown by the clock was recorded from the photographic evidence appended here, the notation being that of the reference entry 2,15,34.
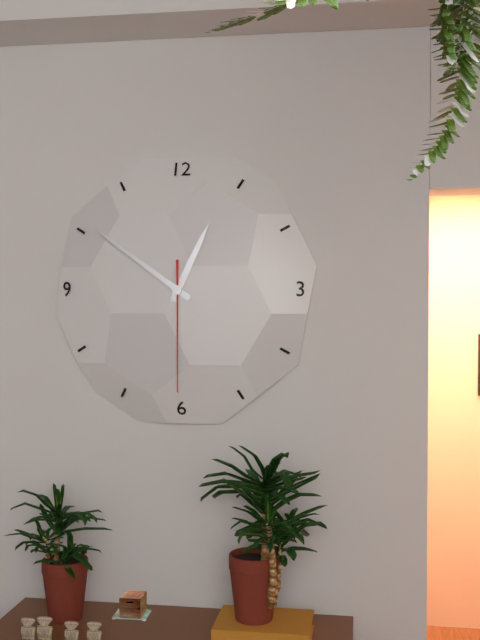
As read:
12,51,30
